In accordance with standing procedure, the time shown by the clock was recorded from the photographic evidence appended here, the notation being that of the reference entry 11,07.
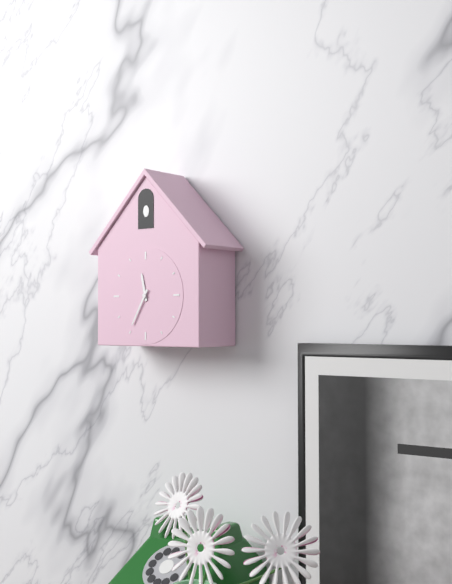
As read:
11,35
